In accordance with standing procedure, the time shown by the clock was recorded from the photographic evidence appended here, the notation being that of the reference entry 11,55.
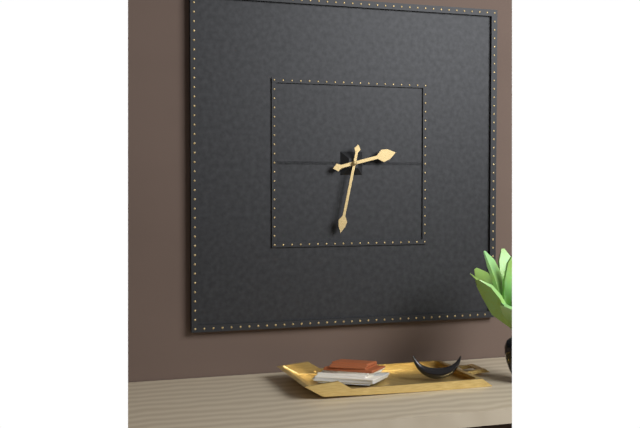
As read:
2,32
